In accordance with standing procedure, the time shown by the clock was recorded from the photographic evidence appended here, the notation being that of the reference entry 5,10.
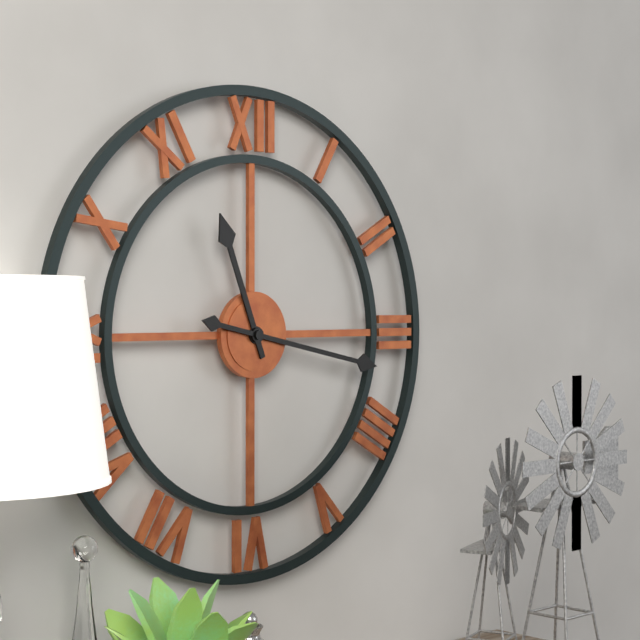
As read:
11,17
